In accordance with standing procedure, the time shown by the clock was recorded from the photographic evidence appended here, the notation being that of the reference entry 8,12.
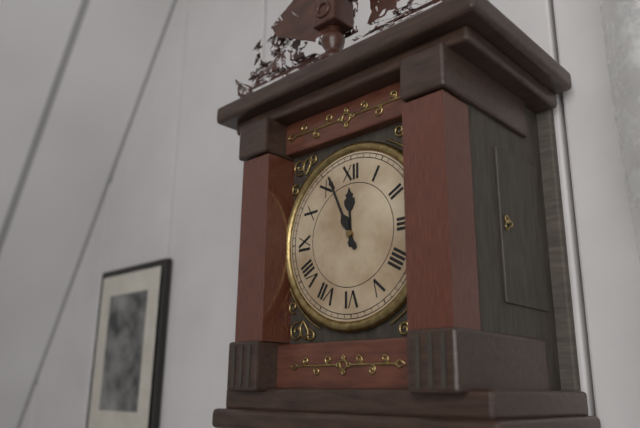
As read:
11,56
